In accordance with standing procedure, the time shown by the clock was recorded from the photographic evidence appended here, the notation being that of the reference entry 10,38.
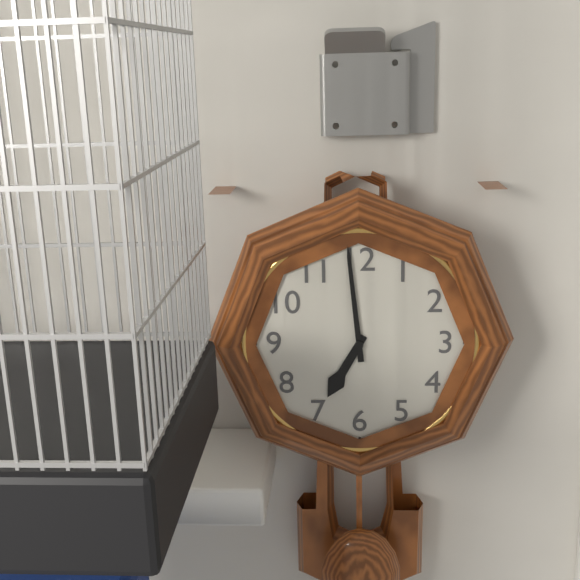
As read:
6,59
